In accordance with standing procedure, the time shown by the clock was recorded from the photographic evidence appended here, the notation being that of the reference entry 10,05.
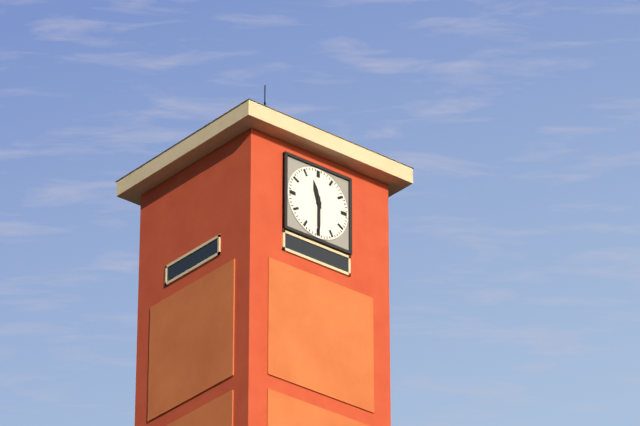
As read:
11,30
